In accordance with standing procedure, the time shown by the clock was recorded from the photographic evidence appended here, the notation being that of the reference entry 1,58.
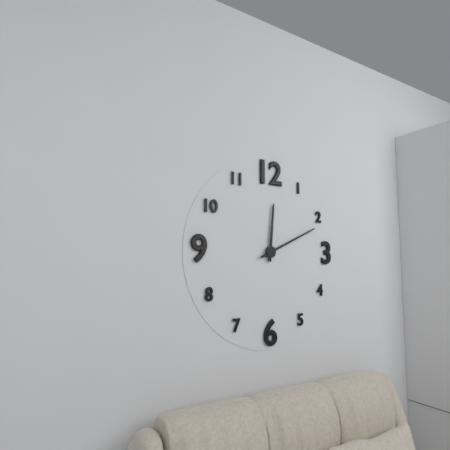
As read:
12,11
